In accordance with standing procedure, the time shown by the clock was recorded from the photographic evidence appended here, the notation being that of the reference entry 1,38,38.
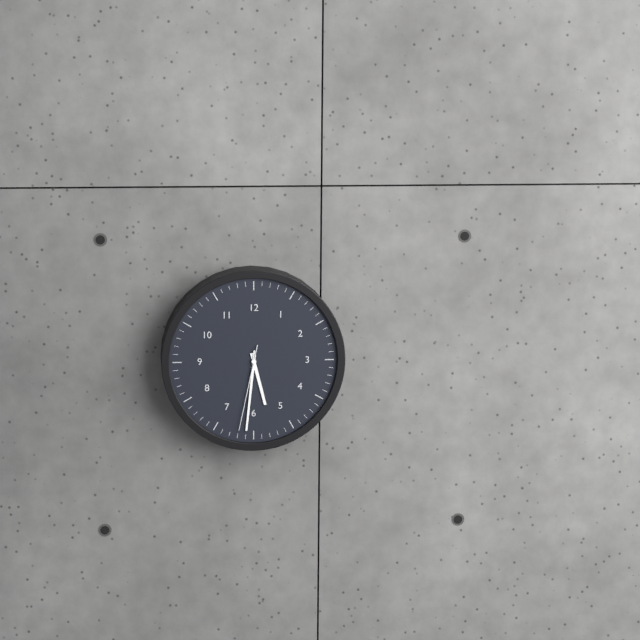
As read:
5,31,32
